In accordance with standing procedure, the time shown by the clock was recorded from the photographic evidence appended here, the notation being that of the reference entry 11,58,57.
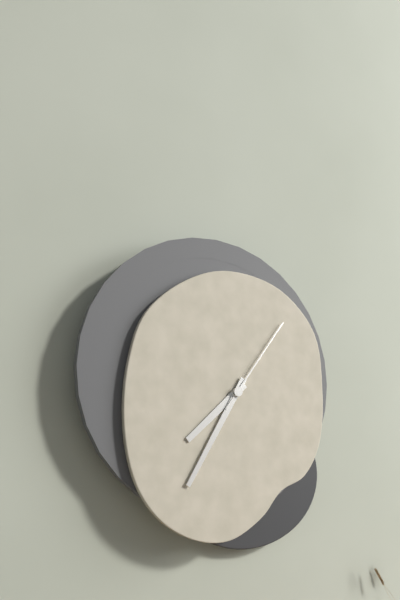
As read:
7,35,06
